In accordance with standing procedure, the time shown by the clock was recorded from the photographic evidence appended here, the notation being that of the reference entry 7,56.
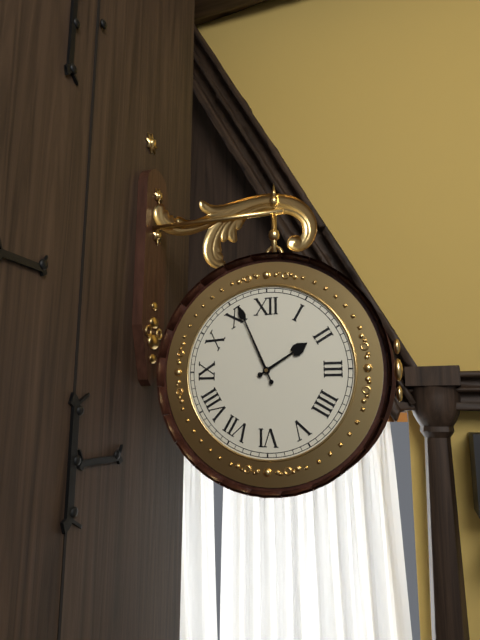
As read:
1,56
